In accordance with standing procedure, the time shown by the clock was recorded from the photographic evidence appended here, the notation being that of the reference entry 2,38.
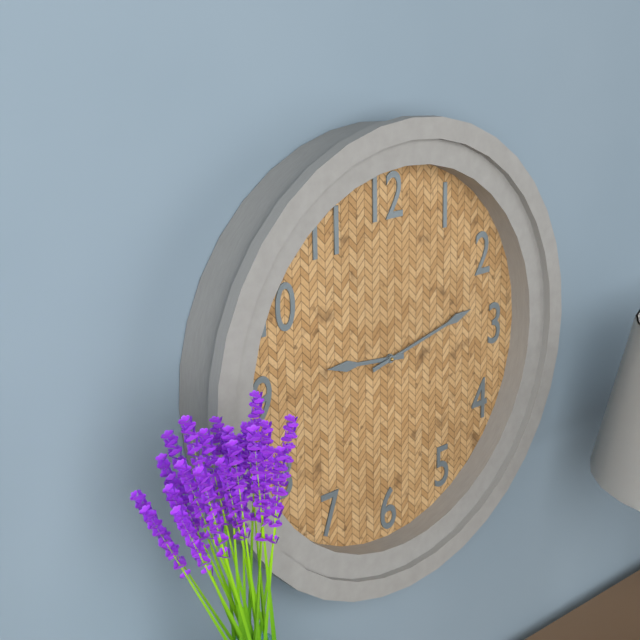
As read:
9,13
